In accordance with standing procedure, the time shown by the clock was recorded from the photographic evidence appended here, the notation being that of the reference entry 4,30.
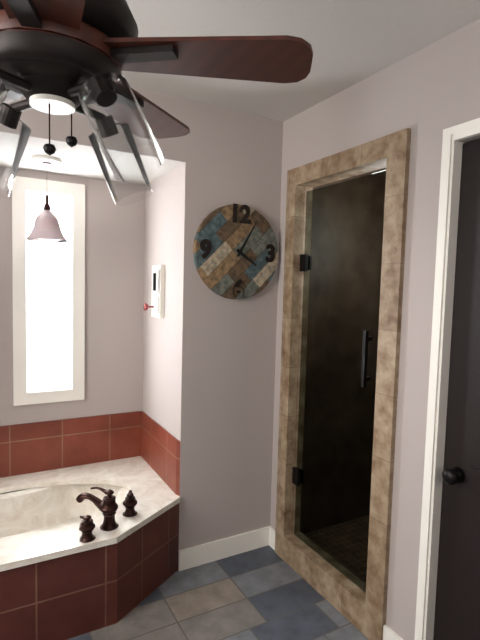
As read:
4,05
